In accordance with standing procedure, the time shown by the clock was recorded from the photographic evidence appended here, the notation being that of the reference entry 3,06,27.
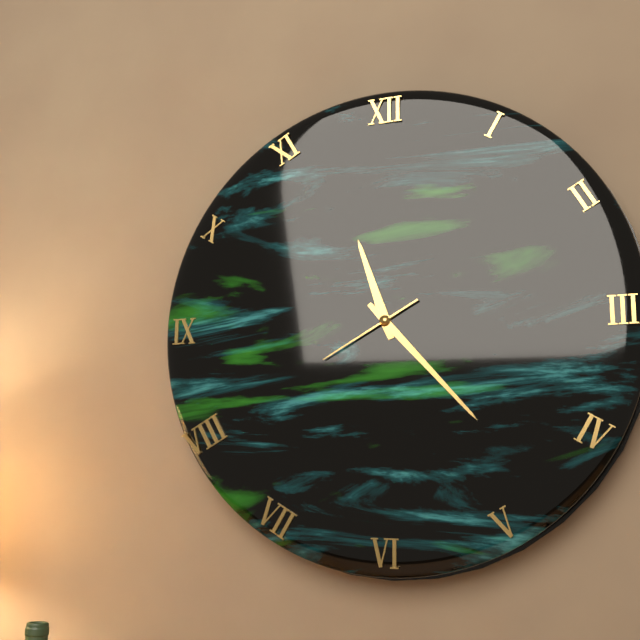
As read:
11,23,40
